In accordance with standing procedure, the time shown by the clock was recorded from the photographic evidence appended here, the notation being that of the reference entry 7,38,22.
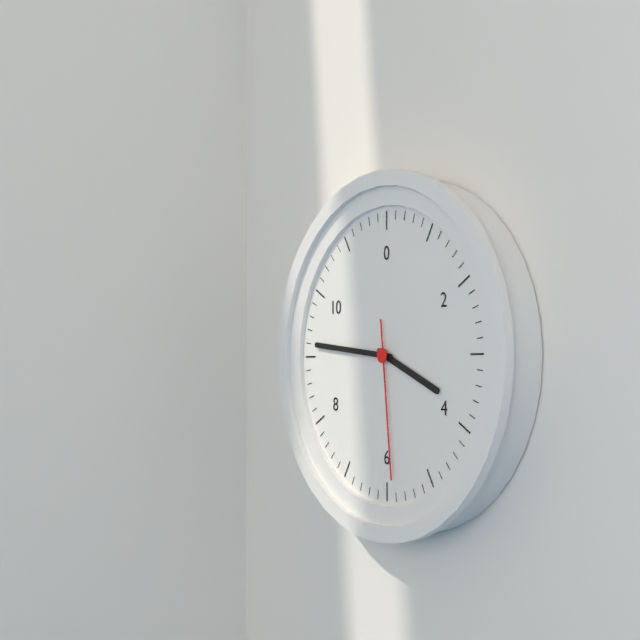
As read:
3,46,29
